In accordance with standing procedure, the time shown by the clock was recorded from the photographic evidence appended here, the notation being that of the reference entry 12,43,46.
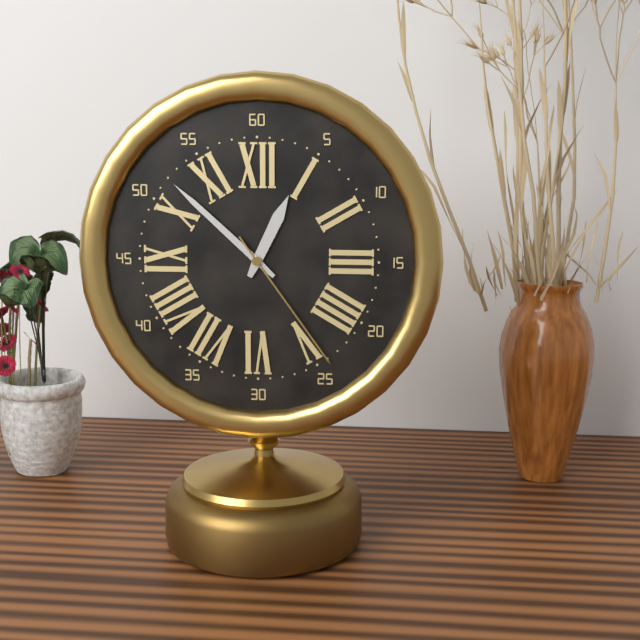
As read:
12,52,24
